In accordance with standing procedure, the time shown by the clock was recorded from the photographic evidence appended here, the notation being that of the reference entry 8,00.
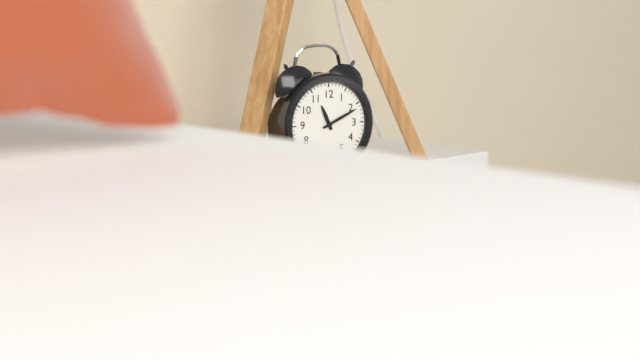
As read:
11,11
